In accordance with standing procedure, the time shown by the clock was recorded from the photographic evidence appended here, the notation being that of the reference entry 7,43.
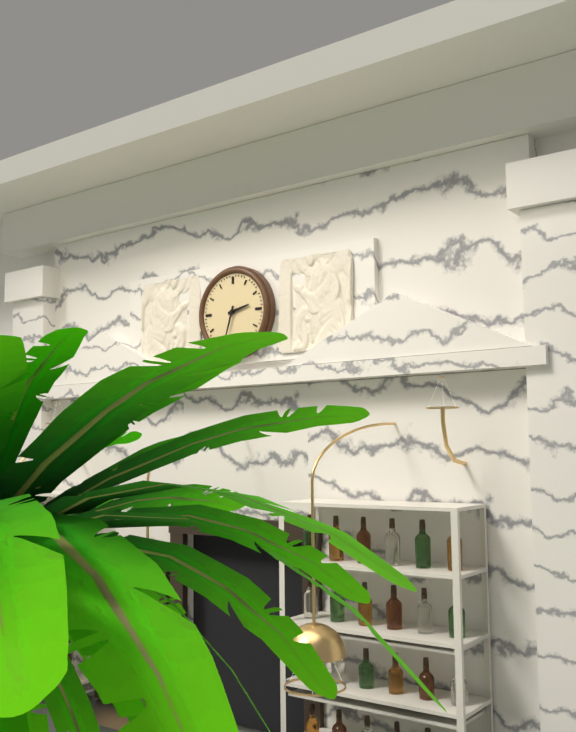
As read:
2,33
